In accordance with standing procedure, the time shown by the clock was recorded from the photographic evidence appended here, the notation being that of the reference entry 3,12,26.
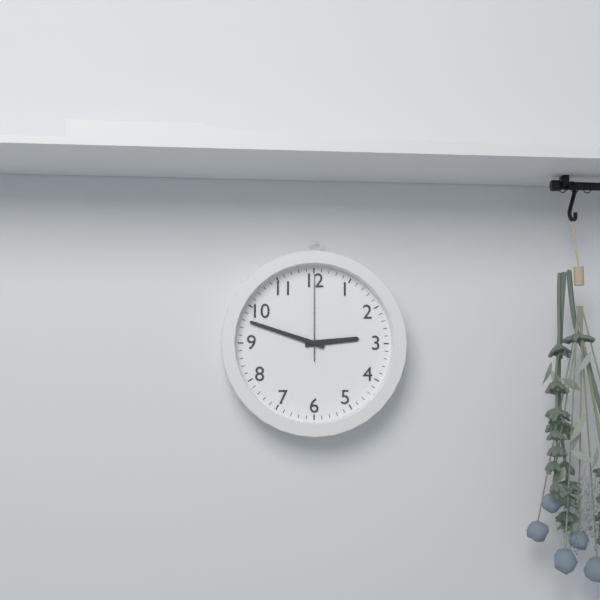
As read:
2,48,00
